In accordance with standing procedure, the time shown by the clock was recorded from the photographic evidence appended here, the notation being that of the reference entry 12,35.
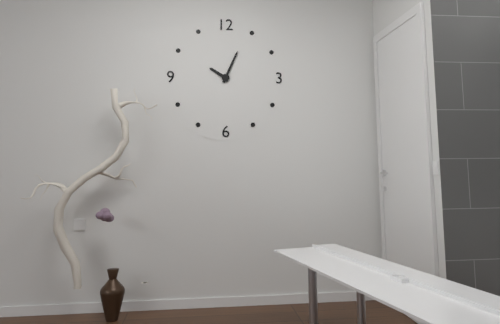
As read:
10,04
